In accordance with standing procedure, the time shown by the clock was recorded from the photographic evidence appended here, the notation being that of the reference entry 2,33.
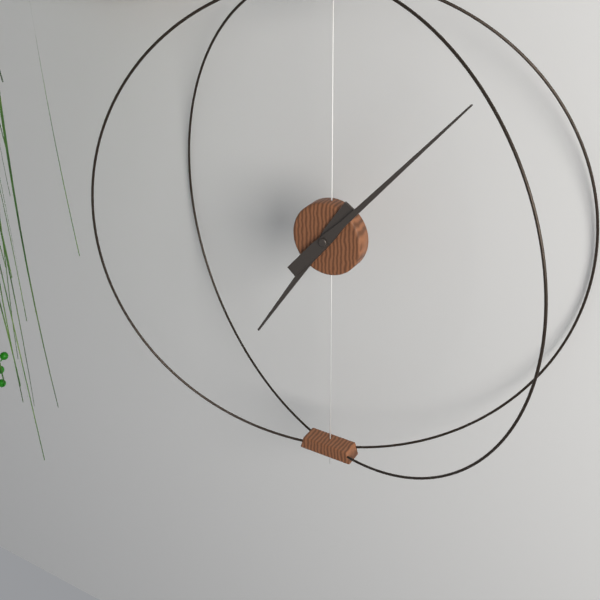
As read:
7,07
